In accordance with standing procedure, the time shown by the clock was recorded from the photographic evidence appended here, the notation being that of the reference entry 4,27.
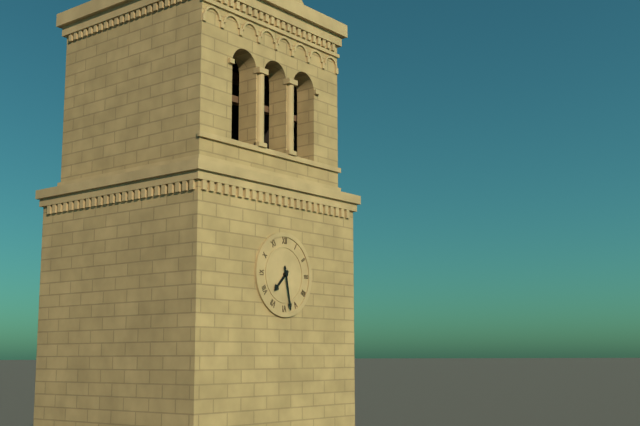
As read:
7,28
